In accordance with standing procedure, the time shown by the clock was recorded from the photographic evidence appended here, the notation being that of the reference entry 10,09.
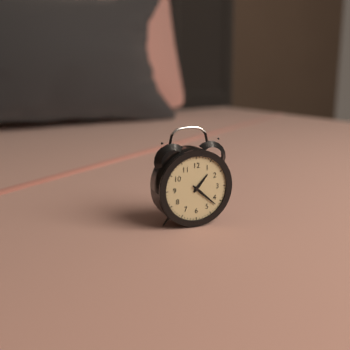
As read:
1,22
